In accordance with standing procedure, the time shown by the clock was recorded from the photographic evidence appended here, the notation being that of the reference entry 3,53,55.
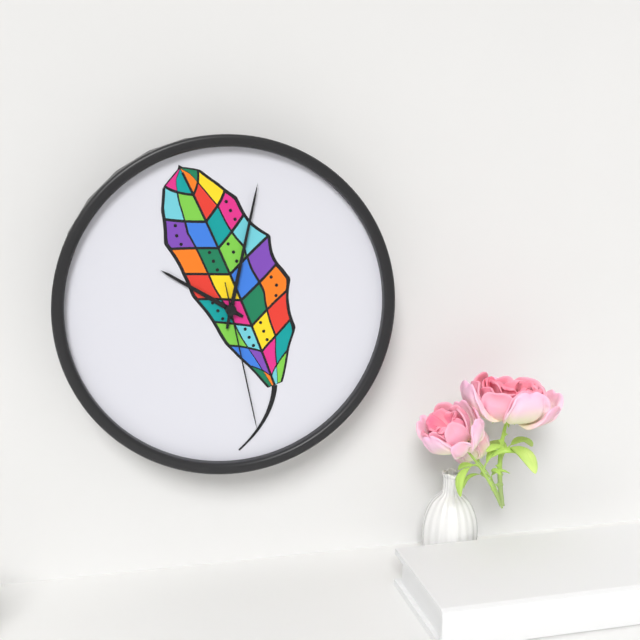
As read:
10,02,28
